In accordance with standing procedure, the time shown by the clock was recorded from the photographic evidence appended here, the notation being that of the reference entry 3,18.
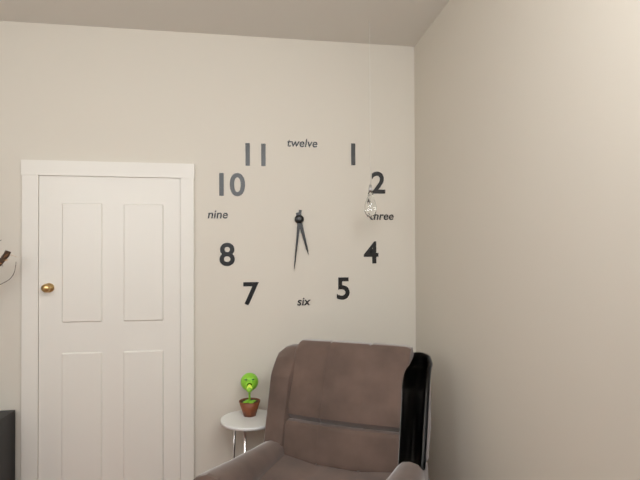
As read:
5,31
